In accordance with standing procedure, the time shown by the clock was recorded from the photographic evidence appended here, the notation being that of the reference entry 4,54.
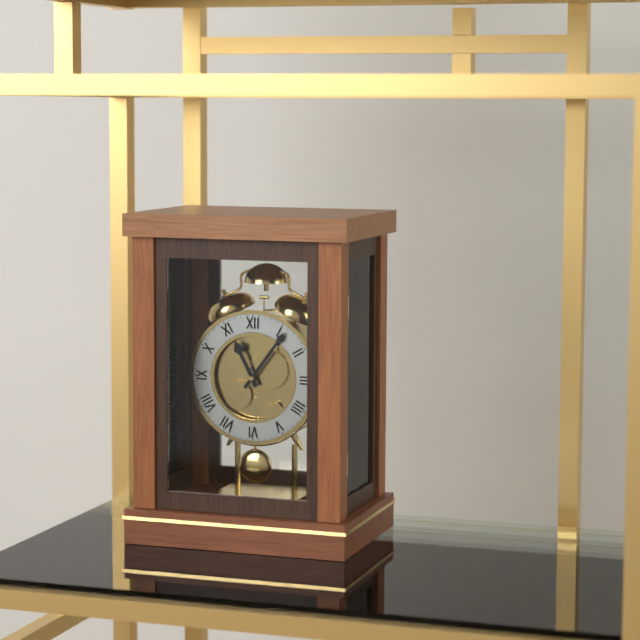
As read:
11,06
